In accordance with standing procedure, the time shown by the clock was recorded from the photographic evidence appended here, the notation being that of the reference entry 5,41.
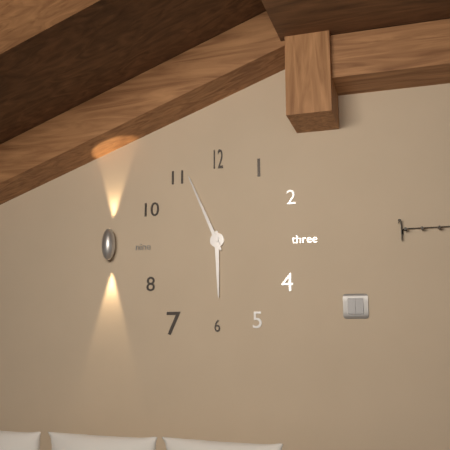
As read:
5,56
